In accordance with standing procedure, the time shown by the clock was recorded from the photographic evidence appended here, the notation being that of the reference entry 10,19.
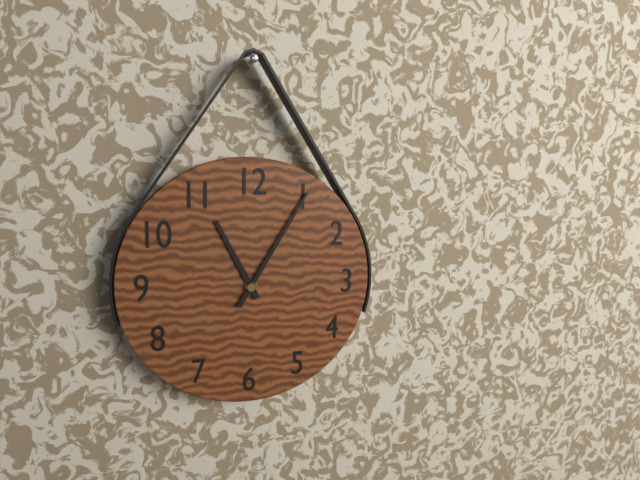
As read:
11,05
